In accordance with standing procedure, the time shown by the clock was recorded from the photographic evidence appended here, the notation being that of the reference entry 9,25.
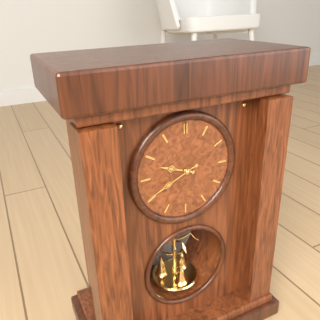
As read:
9,41
